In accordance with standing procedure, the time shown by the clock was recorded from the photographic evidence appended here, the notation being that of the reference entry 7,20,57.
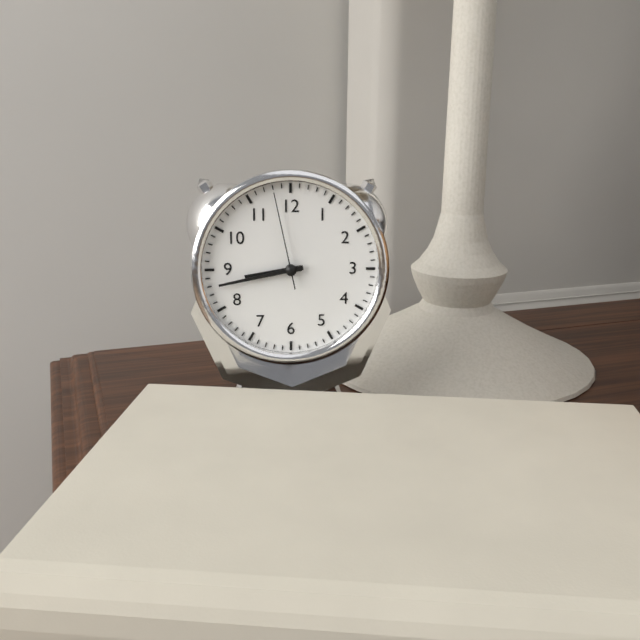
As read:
8,43,58
